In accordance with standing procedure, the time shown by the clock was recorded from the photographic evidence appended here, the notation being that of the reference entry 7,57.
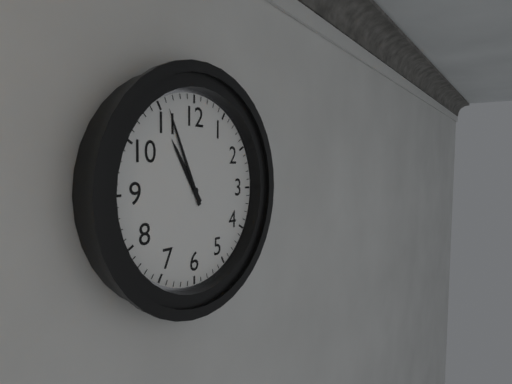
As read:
10,56
